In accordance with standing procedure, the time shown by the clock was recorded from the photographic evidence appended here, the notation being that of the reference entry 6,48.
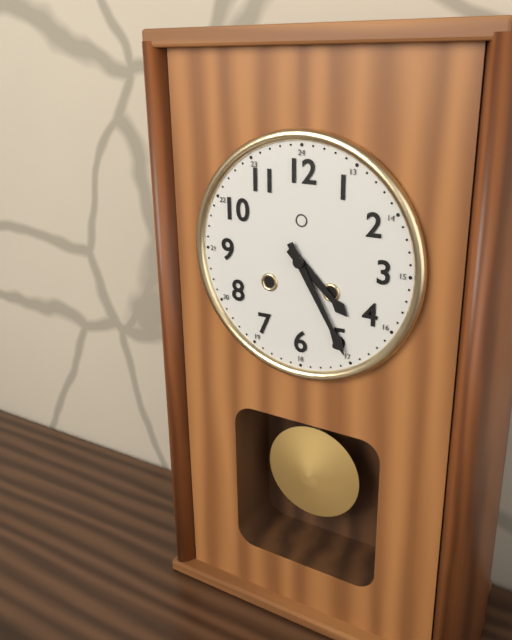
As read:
4,25
